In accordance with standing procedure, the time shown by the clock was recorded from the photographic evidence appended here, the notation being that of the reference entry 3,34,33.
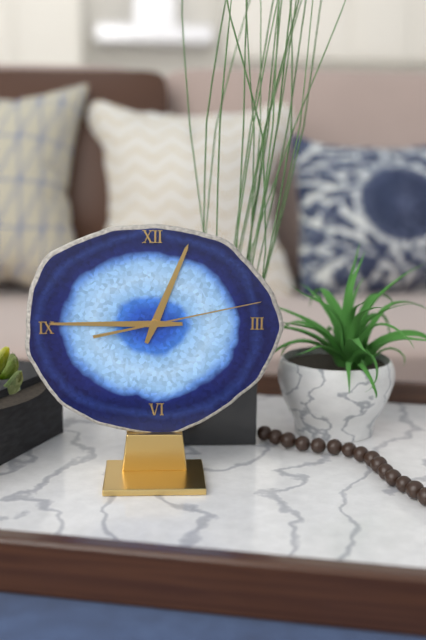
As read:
12,45,13
